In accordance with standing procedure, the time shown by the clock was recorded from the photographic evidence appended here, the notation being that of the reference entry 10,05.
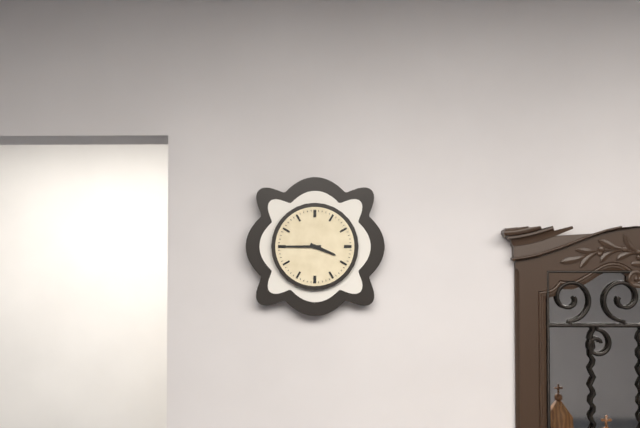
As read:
3,45
